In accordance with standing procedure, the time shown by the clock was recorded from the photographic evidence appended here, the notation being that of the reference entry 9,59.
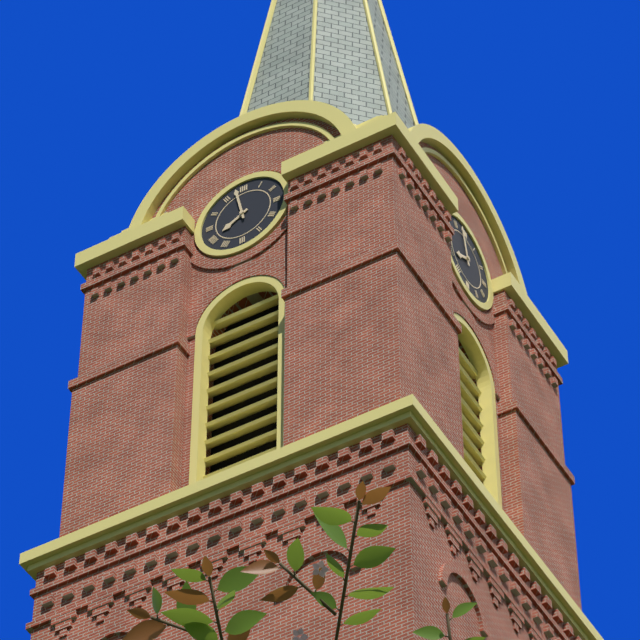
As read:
7,58
